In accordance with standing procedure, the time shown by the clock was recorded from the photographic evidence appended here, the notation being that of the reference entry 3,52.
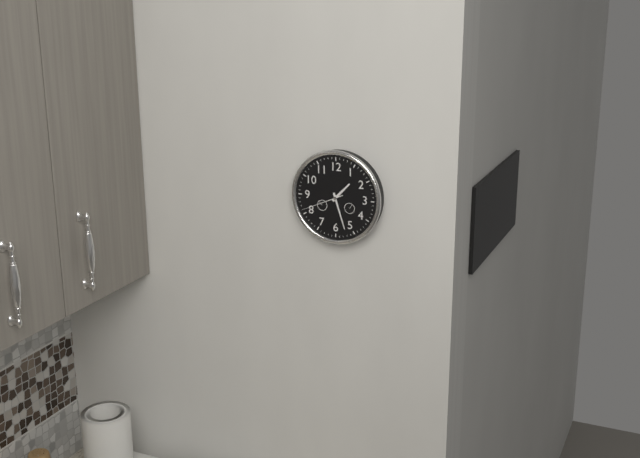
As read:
1,27
